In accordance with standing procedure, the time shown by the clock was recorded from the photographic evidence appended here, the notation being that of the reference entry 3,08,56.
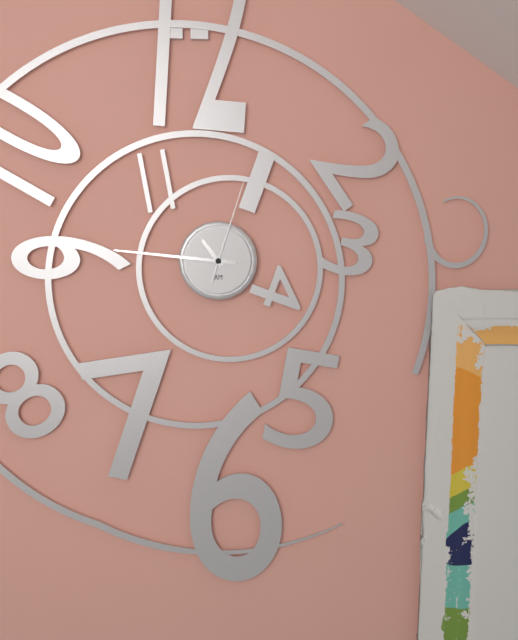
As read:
10,46,03
